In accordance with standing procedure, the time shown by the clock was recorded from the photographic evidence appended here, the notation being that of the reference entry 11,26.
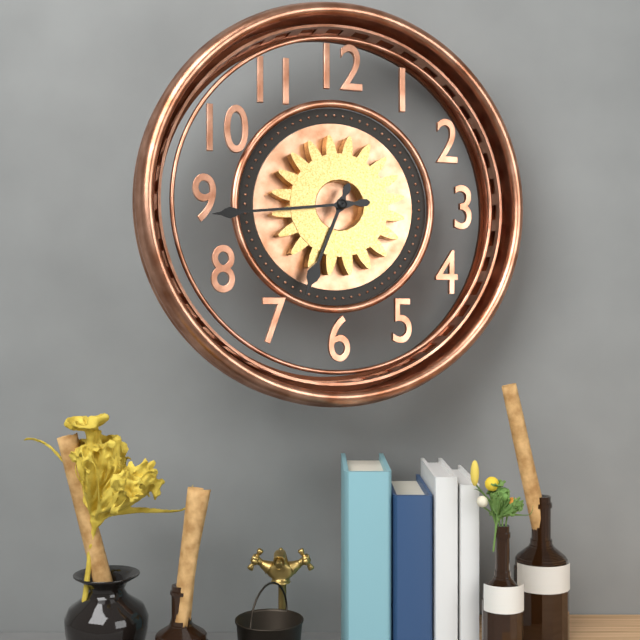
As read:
6,44
